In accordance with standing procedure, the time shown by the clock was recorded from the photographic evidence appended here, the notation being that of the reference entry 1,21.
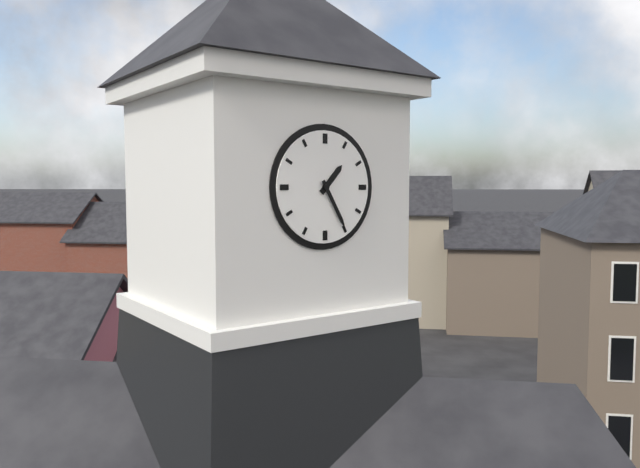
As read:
1,25
